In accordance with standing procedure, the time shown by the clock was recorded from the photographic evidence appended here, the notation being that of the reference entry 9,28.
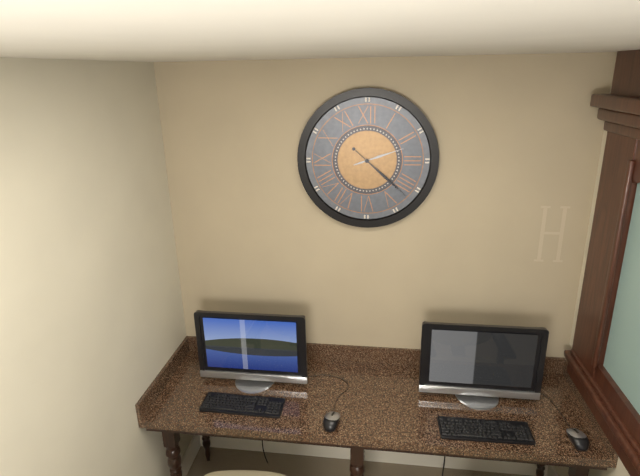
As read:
2,22
